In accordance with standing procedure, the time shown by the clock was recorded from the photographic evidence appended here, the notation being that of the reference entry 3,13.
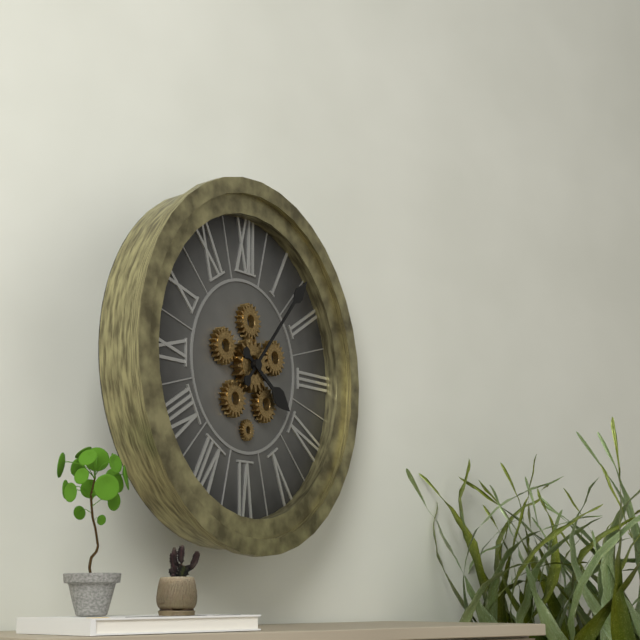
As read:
4,07
